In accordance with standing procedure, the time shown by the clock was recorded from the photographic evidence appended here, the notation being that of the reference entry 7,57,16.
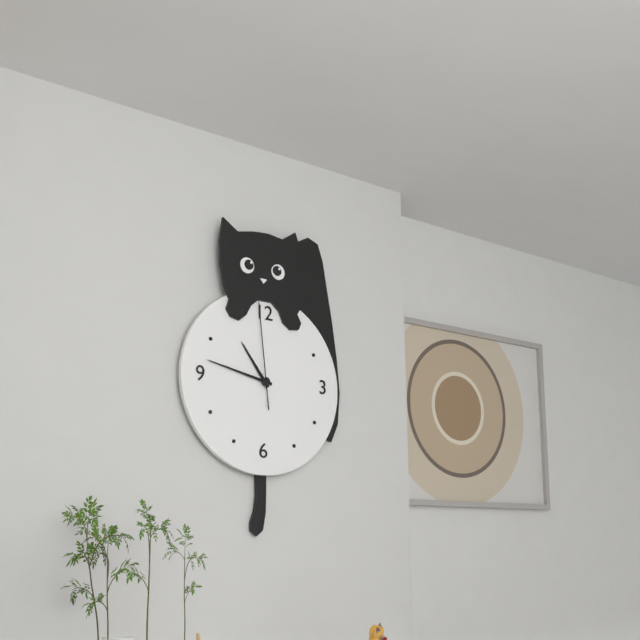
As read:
10,47,59
